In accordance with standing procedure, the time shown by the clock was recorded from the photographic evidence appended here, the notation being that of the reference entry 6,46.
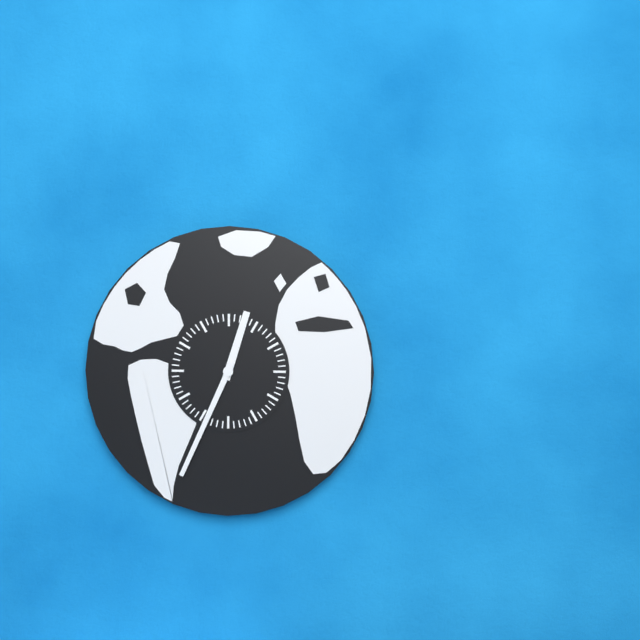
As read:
12,34
